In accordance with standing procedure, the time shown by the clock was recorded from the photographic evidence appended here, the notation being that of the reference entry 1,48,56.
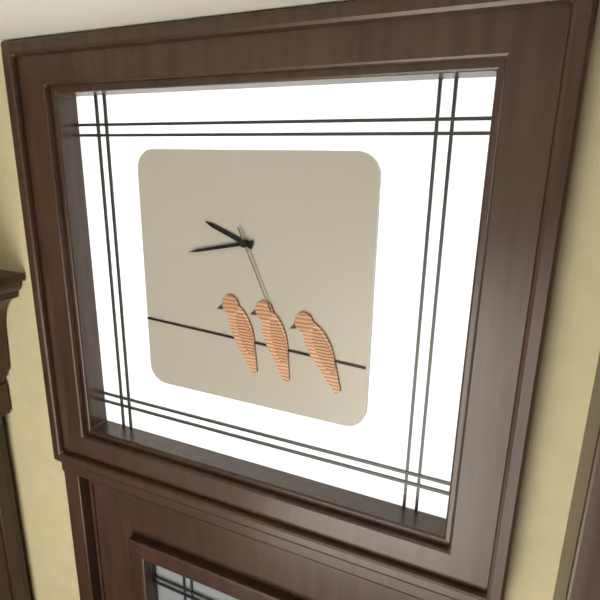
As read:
9,43,26
